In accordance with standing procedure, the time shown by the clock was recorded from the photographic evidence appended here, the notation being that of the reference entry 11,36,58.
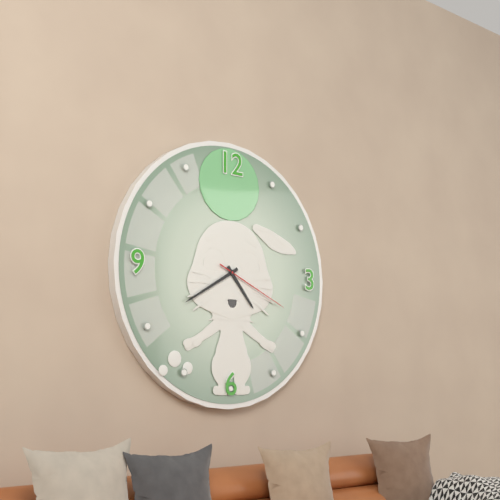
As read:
4,40,19
